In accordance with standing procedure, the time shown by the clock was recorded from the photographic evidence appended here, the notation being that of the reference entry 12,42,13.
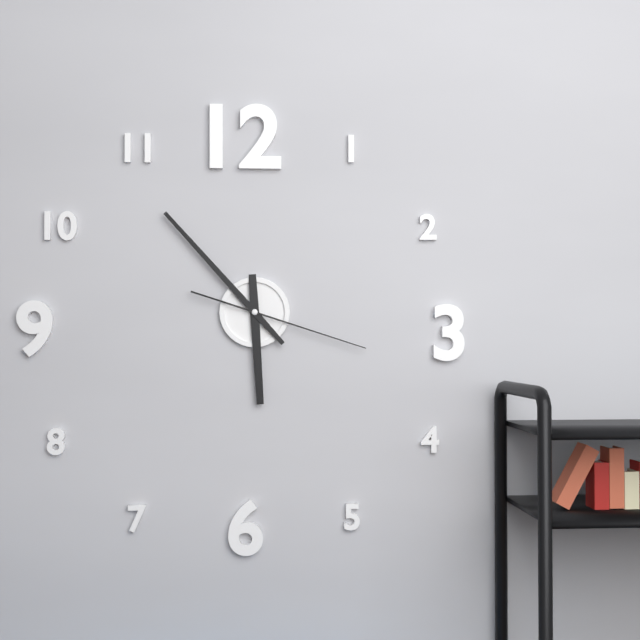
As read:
5,53,18
